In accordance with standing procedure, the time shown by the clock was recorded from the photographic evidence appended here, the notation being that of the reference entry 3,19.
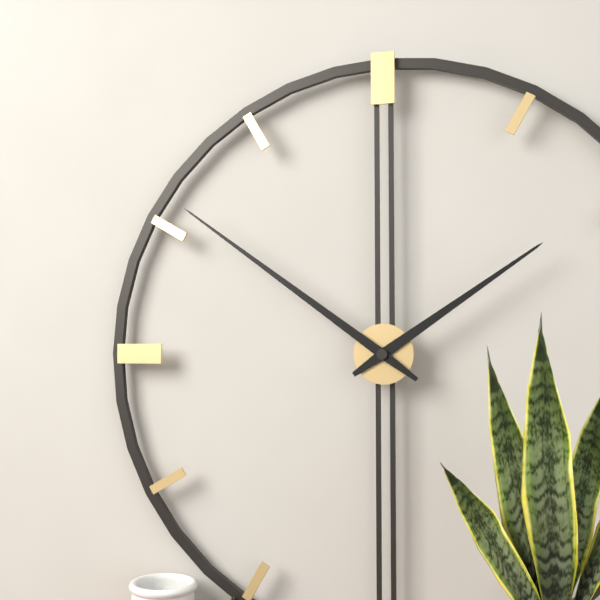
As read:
1,51
